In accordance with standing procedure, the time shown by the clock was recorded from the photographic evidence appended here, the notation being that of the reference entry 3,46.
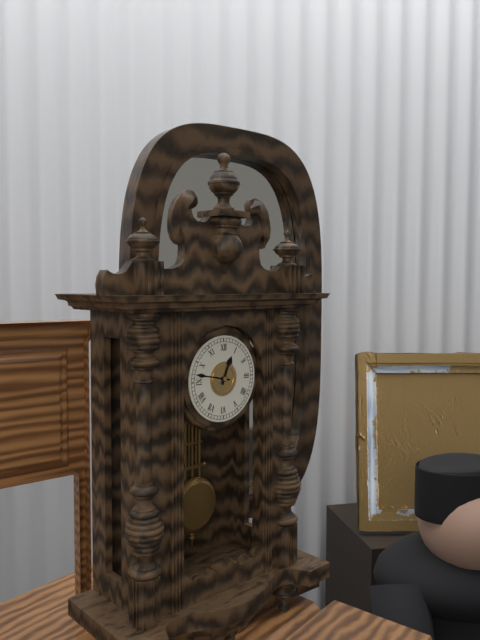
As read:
12,47
